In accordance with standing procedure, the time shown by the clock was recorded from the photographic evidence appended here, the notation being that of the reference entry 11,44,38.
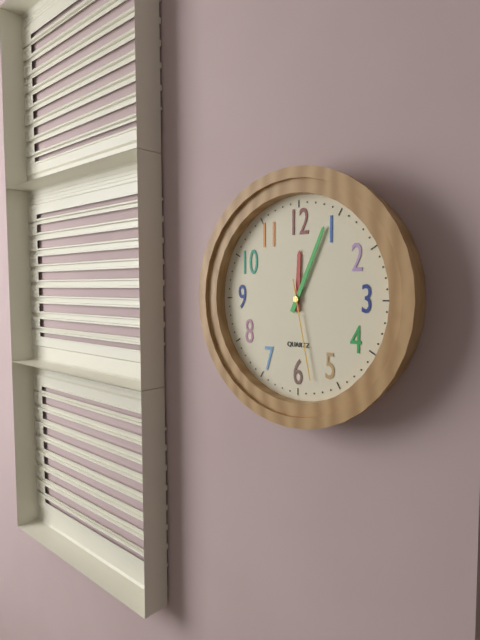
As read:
12,04,28
